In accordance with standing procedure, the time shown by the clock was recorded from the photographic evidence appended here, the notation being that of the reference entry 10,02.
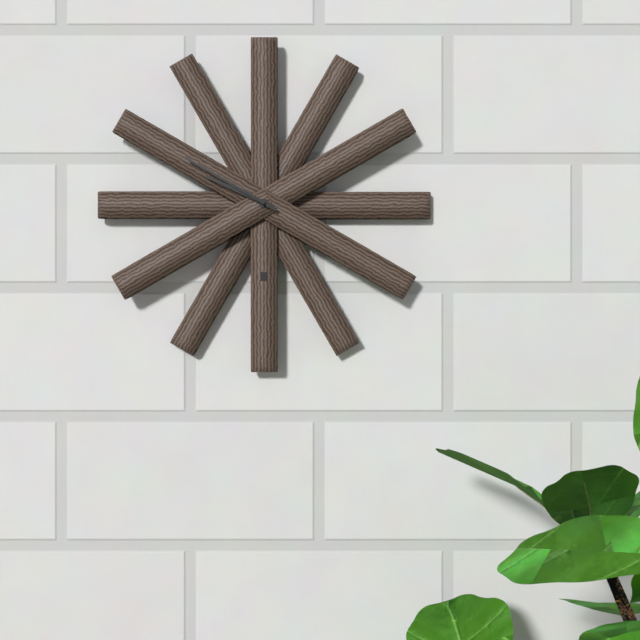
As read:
9,50
